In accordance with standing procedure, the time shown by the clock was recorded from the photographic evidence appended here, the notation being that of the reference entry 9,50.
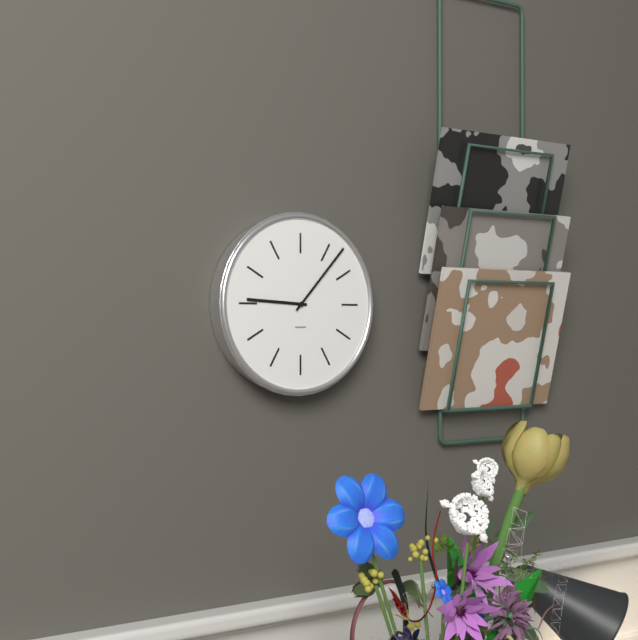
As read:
9,07
